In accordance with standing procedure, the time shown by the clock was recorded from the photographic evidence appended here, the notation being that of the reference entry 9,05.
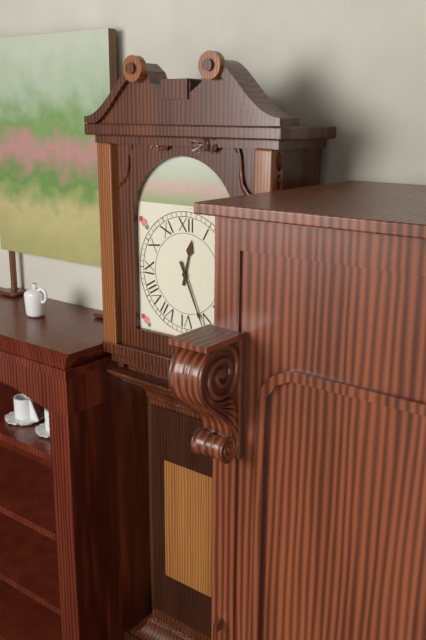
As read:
12,26
